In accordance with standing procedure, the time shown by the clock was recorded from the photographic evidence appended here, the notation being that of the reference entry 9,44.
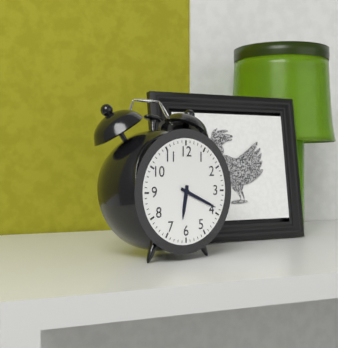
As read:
6,19
